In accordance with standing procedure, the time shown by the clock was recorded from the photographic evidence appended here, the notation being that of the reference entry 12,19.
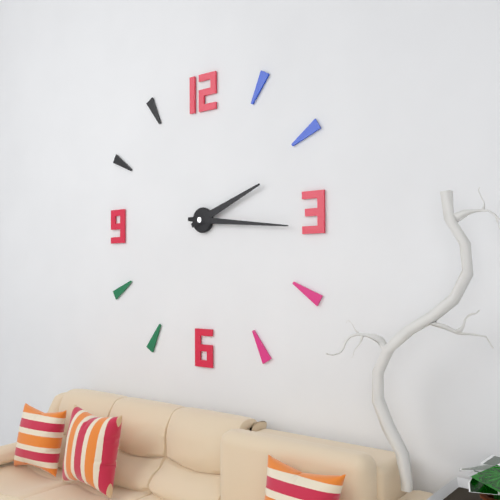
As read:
2,16
